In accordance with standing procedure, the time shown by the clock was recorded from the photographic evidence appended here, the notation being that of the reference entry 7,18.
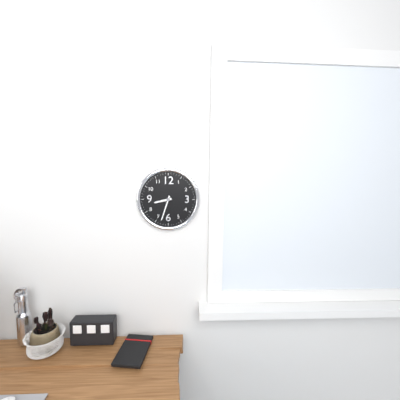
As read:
8,33
